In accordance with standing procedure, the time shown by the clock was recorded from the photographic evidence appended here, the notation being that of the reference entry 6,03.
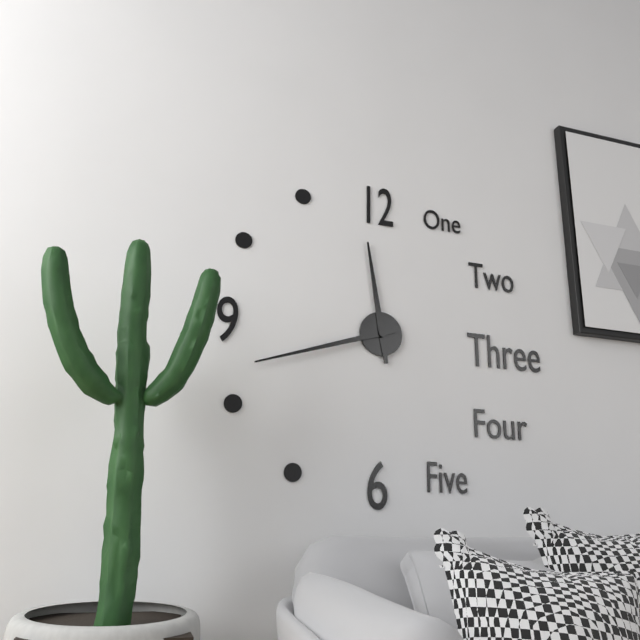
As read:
11,42
